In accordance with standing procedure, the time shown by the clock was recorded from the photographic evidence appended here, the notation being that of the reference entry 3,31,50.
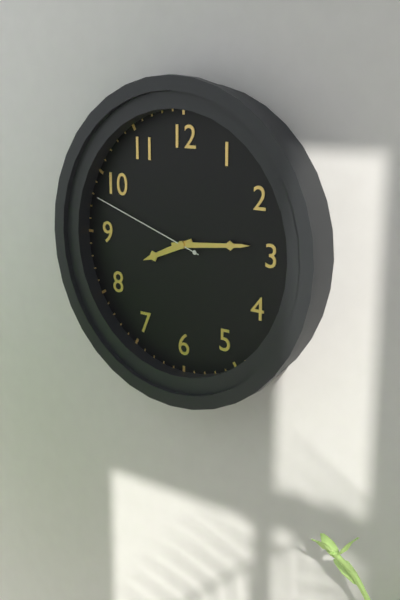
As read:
8,14,48
